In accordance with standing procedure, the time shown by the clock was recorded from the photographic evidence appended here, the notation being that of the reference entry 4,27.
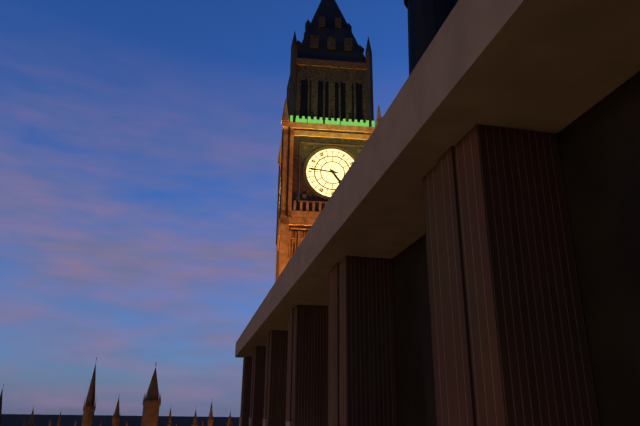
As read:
4,46
